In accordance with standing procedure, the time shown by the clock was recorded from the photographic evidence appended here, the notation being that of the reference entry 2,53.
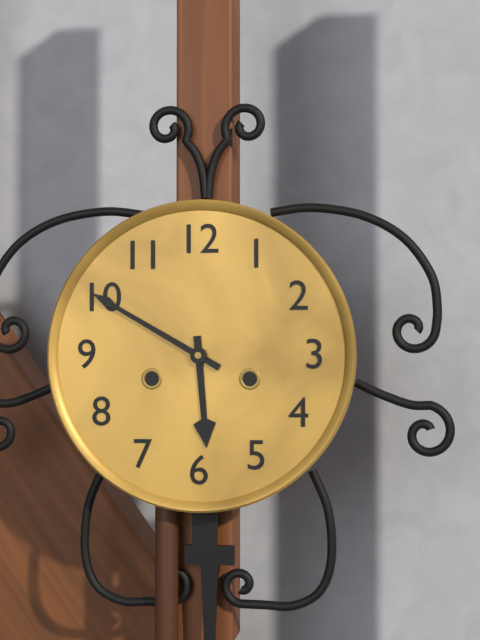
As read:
5,50
